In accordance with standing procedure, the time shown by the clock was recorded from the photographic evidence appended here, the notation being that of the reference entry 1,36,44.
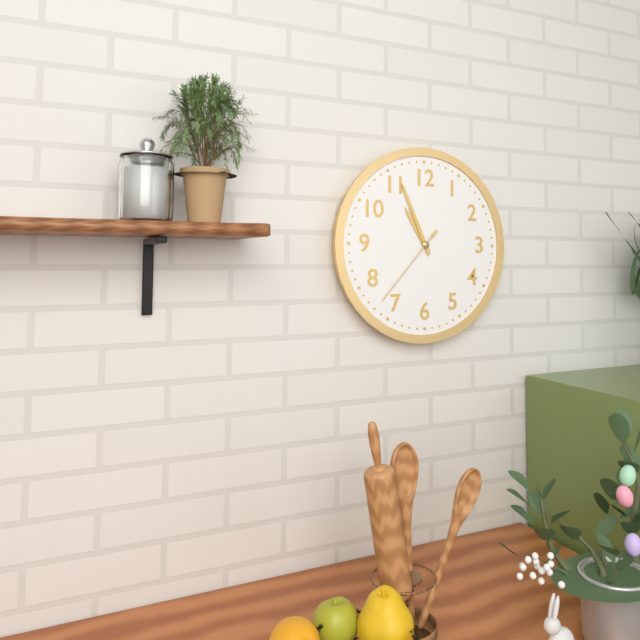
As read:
10,56,37
